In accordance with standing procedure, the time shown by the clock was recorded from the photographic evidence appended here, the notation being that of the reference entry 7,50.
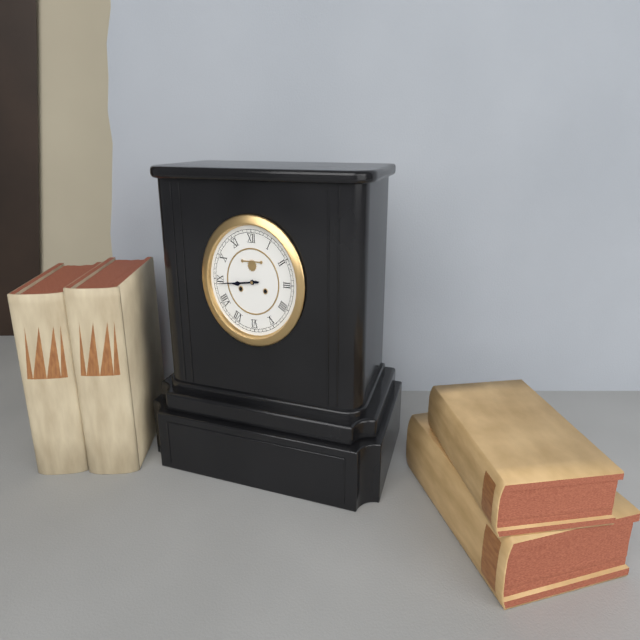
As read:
8,44
